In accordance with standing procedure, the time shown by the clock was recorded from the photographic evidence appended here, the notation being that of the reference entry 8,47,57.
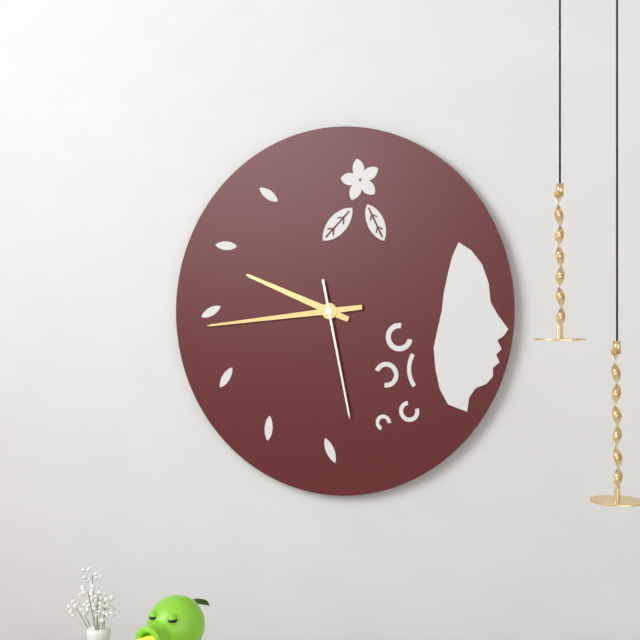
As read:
9,44,28
